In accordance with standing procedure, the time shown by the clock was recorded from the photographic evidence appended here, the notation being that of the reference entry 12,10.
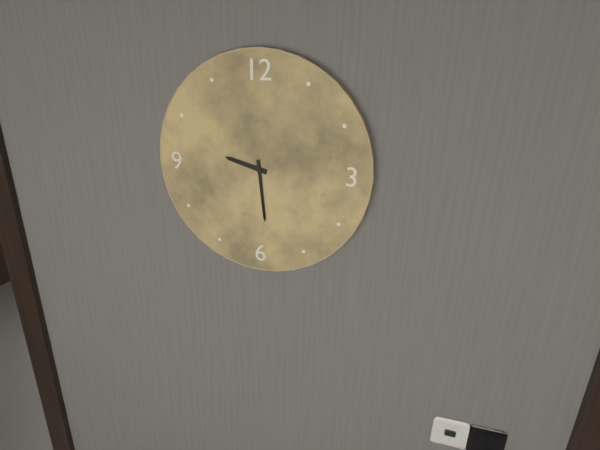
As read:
9,29
